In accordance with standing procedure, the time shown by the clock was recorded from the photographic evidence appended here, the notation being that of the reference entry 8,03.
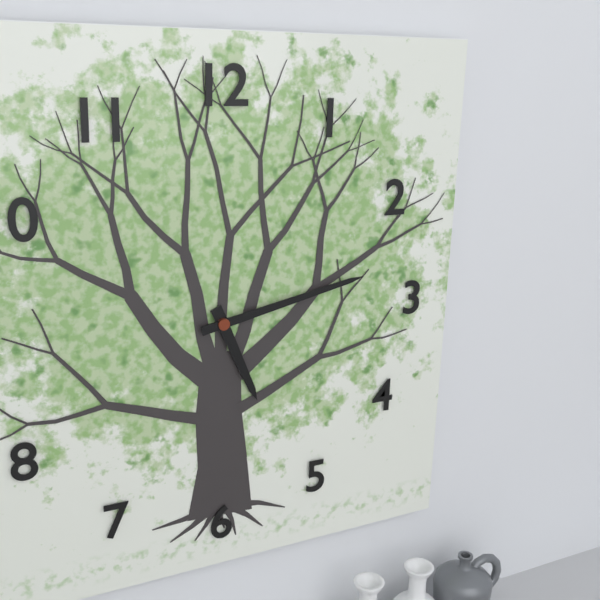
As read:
5,13
